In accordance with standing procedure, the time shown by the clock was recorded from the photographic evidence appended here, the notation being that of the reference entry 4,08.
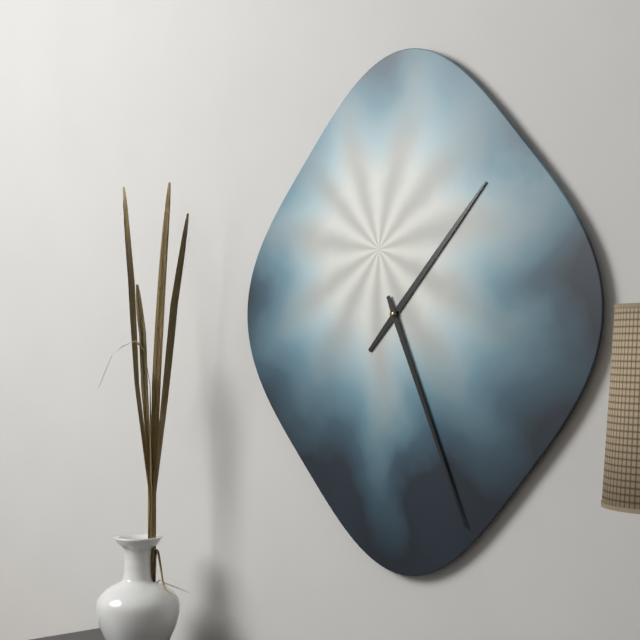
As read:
1,26
